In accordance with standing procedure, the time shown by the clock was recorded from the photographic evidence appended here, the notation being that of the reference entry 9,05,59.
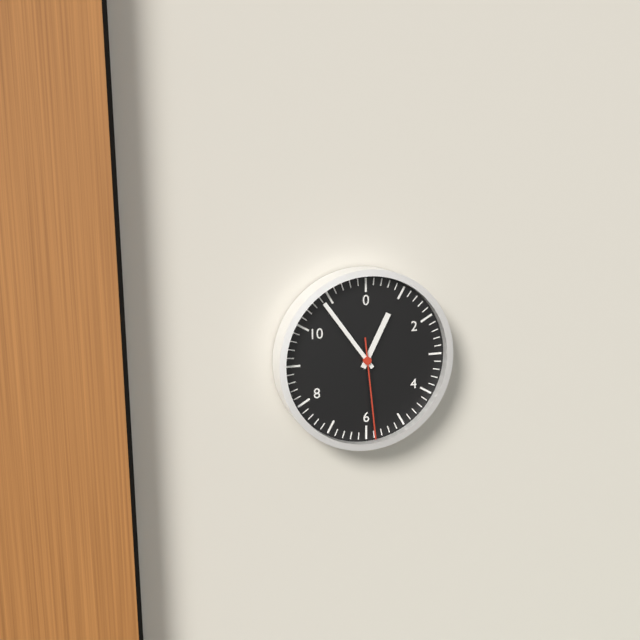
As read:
12,54,29
